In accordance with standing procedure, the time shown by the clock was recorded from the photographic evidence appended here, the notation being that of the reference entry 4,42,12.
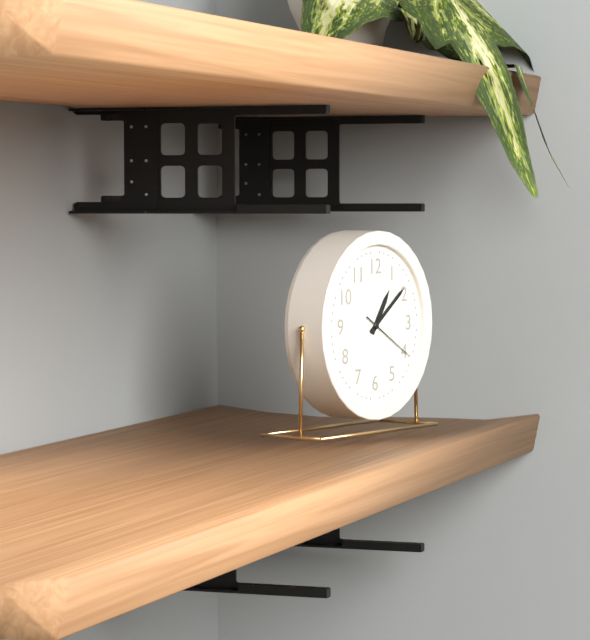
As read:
1,09,20
